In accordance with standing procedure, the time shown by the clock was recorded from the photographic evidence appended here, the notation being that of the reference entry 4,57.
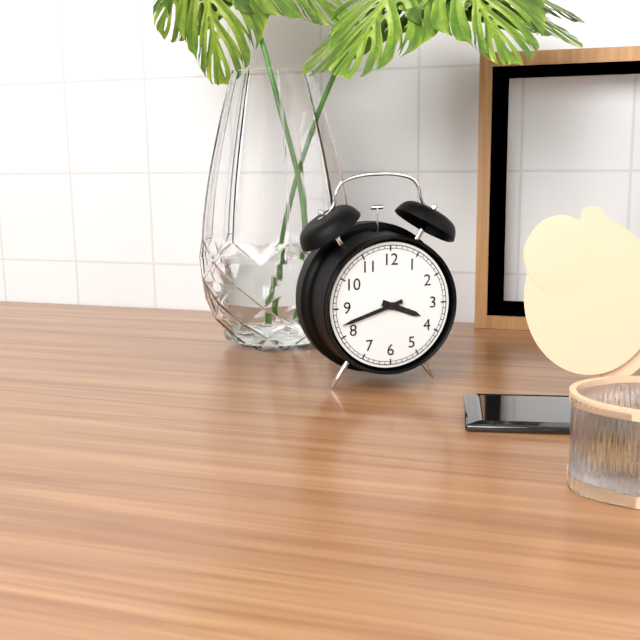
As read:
3,42
